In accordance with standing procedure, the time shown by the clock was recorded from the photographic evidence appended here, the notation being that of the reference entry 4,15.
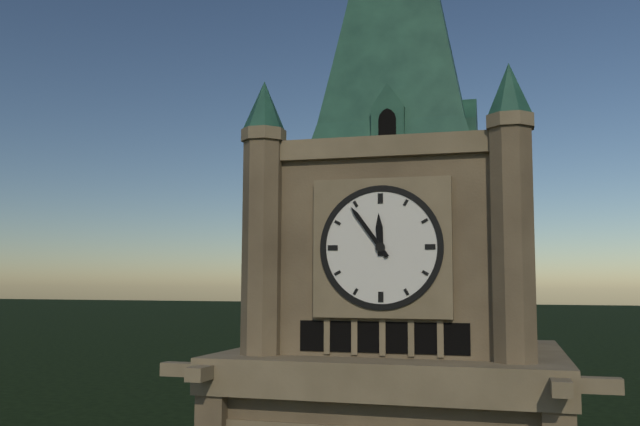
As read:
11,54
